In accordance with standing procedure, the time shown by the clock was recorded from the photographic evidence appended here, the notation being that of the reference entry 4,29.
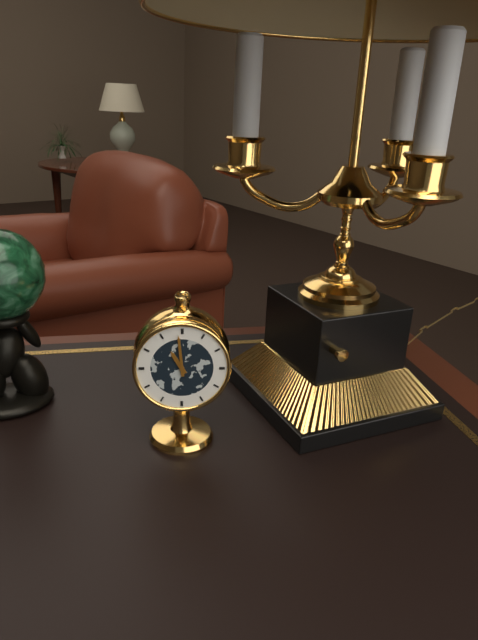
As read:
10,59
